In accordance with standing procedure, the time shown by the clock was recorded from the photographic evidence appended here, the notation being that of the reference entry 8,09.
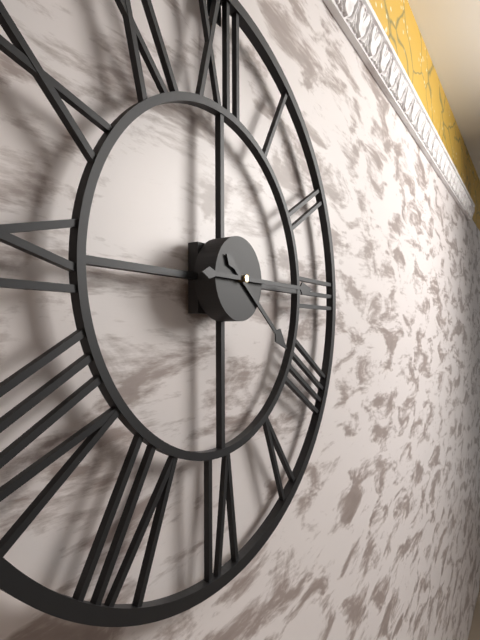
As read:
4,15
